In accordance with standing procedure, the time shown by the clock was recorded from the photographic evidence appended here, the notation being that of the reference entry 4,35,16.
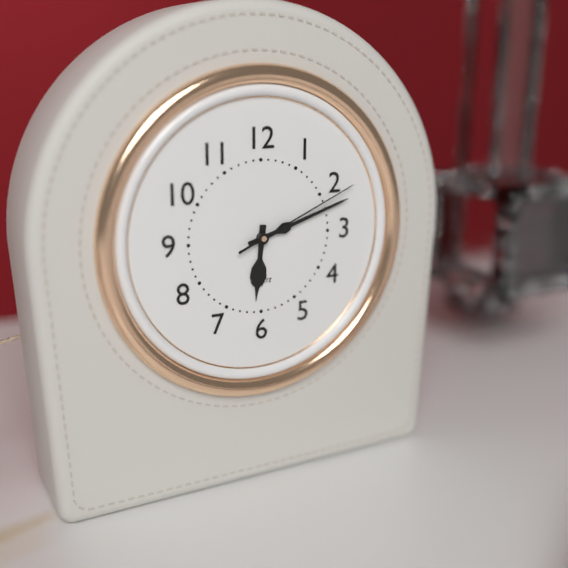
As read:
6,12,11
